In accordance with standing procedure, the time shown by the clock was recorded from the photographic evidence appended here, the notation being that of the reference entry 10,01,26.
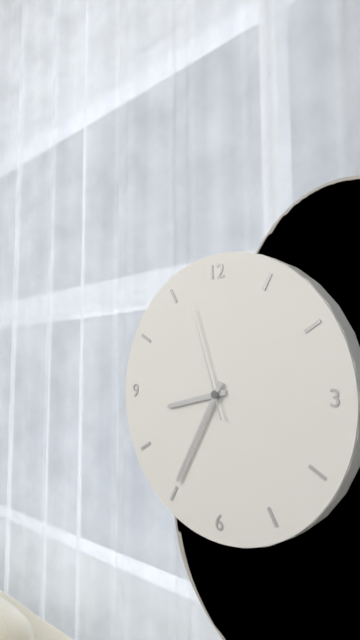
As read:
8,35,57
